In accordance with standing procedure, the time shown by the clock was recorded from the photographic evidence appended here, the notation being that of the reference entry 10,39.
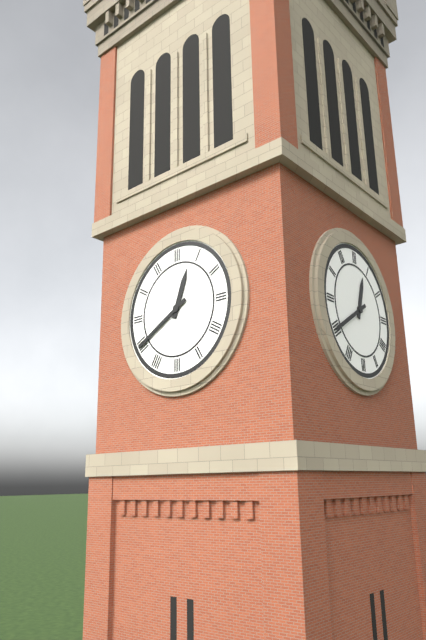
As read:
12,40
